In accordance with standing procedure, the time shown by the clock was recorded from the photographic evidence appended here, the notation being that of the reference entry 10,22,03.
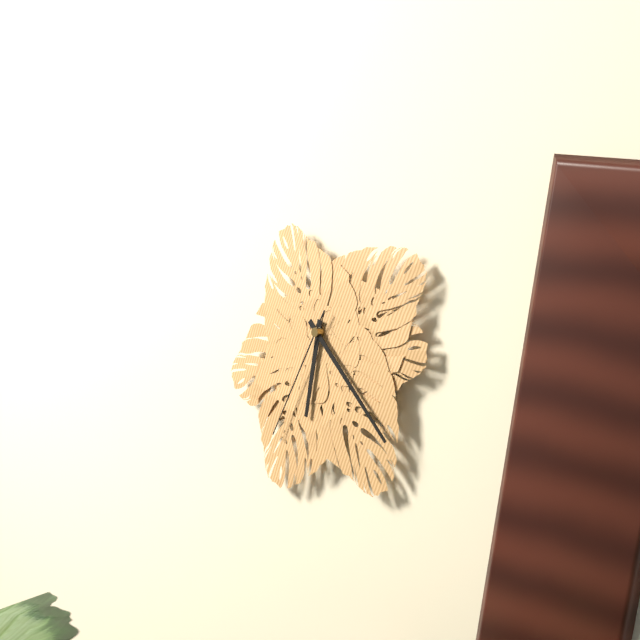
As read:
6,23,35
